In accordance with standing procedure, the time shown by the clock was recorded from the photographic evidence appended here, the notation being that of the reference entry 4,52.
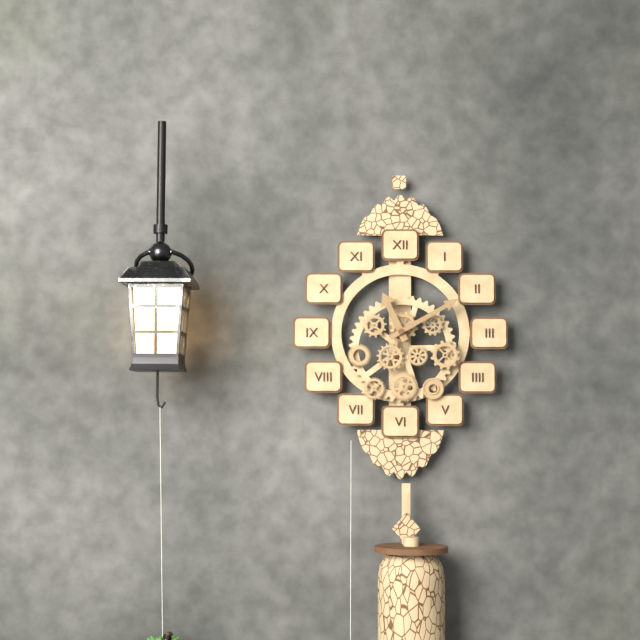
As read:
11,10
